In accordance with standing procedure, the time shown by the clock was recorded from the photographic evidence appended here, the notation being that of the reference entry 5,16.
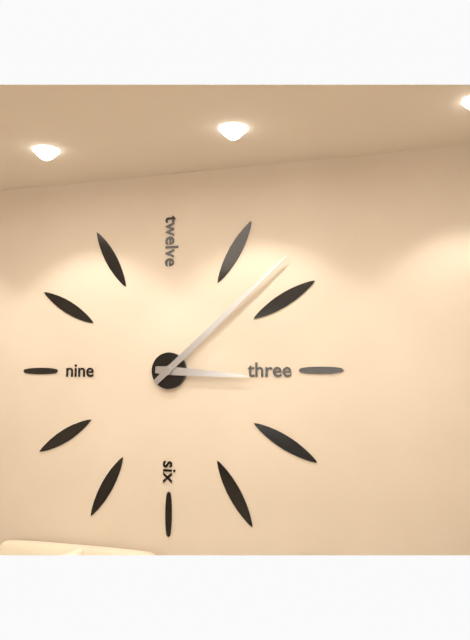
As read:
3,08
